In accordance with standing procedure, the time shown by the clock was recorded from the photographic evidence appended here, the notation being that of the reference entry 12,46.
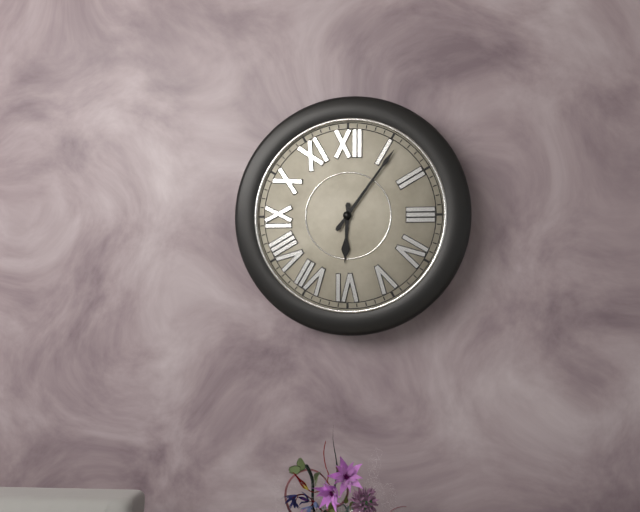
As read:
6,06
